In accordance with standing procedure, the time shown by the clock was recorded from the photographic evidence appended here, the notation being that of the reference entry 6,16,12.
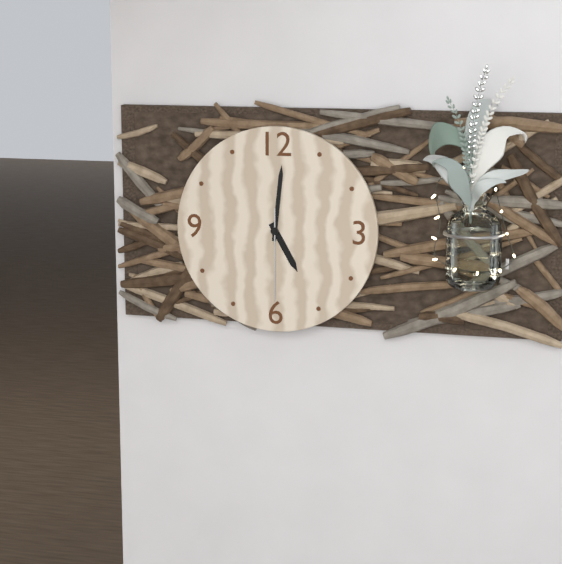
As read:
5,01,30
